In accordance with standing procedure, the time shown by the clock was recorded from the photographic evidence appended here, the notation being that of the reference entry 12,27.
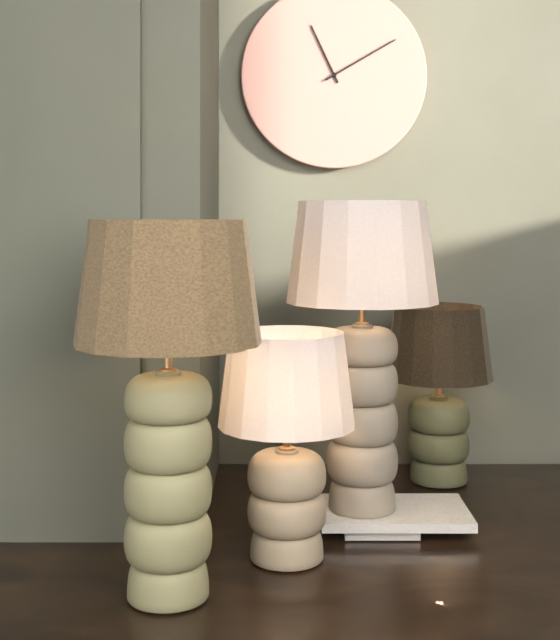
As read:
11,10
